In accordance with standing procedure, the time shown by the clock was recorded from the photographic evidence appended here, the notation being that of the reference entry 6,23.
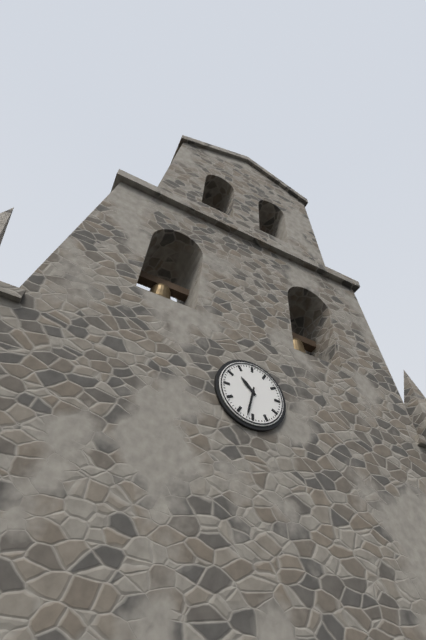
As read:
10,32
